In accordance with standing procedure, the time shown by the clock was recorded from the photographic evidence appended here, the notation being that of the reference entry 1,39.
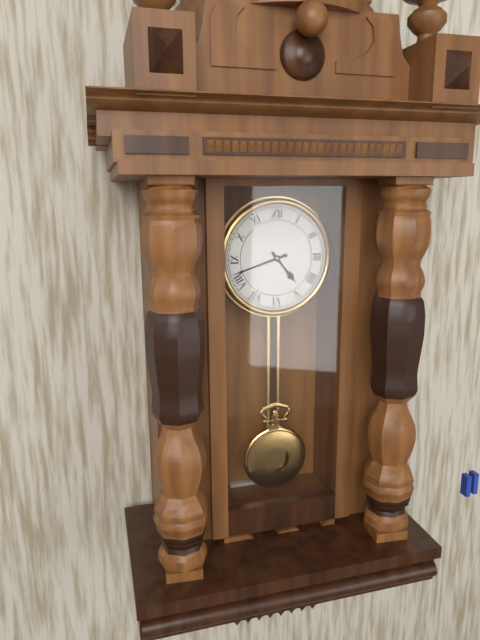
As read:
4,42
